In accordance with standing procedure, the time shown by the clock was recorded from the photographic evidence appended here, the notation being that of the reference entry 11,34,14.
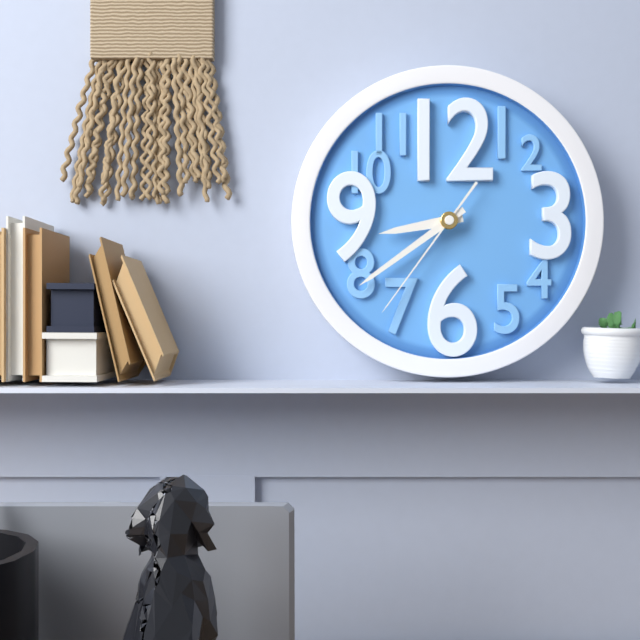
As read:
8,39,36
